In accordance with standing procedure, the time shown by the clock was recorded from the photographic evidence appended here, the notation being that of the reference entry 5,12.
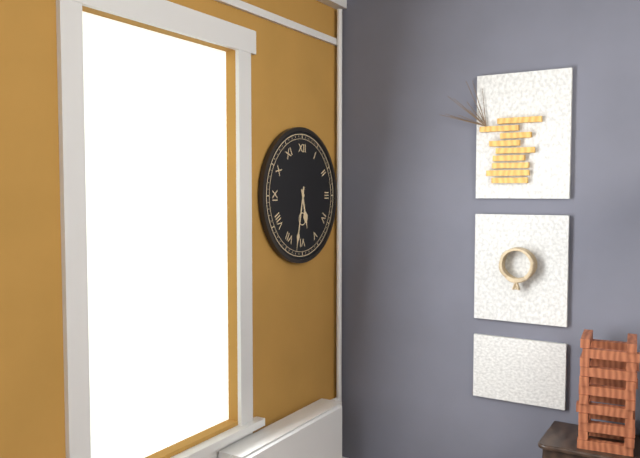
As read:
5,32
